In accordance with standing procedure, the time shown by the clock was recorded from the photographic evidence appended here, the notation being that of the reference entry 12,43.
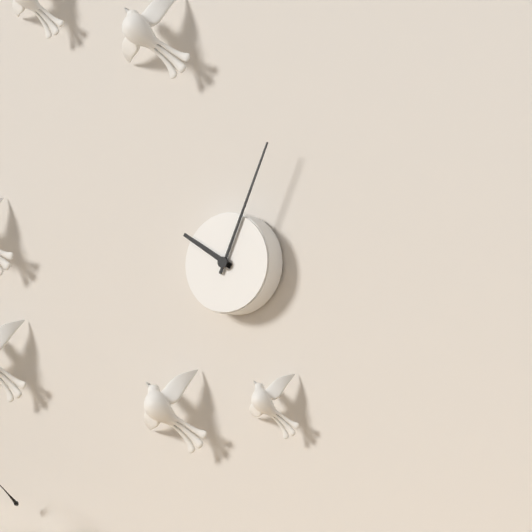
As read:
10,04
